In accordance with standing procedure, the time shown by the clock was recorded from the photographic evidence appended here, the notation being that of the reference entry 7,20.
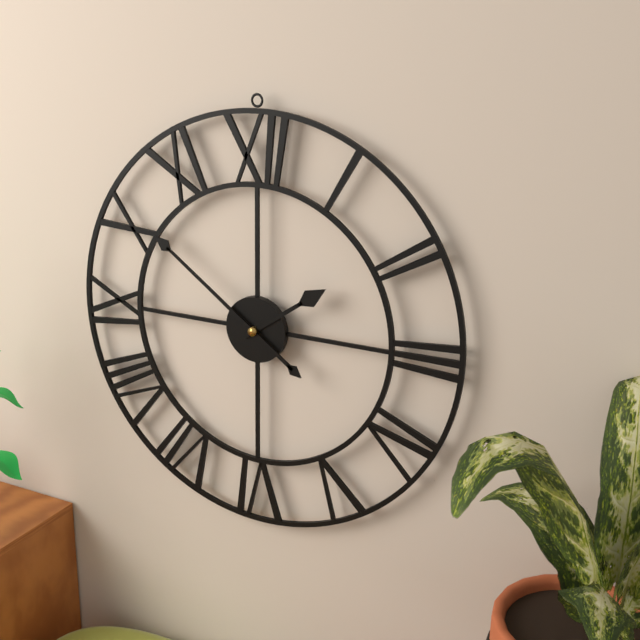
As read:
1,51
